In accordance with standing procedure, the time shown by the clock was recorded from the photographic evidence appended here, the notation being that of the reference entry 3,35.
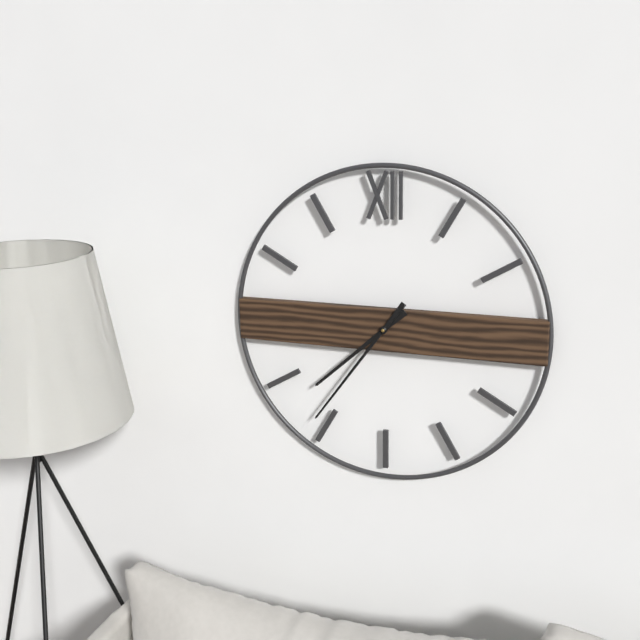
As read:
7,36
